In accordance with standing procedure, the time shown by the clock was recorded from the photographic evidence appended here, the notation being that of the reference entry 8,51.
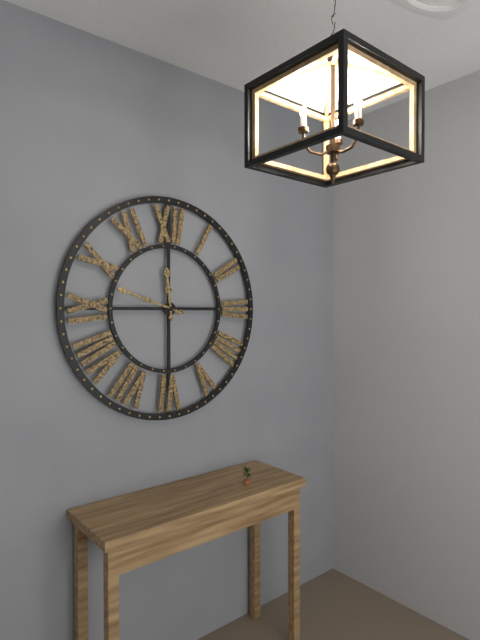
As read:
11,48
